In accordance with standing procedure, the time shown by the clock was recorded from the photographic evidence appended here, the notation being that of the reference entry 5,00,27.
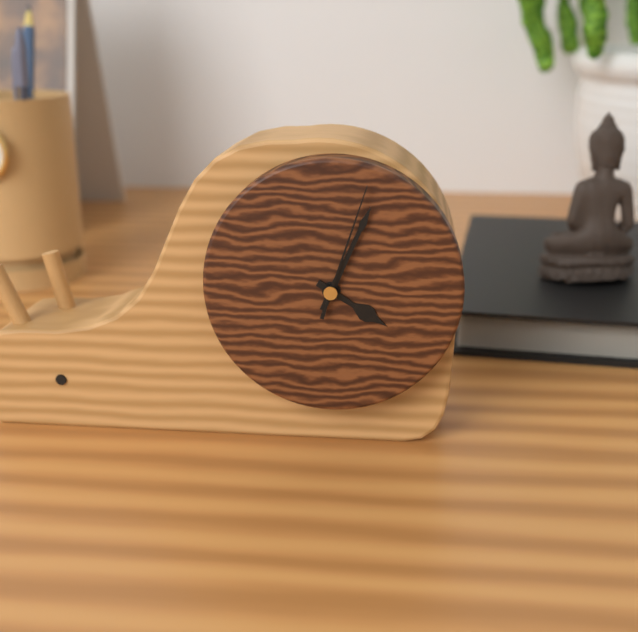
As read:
4,04,03
